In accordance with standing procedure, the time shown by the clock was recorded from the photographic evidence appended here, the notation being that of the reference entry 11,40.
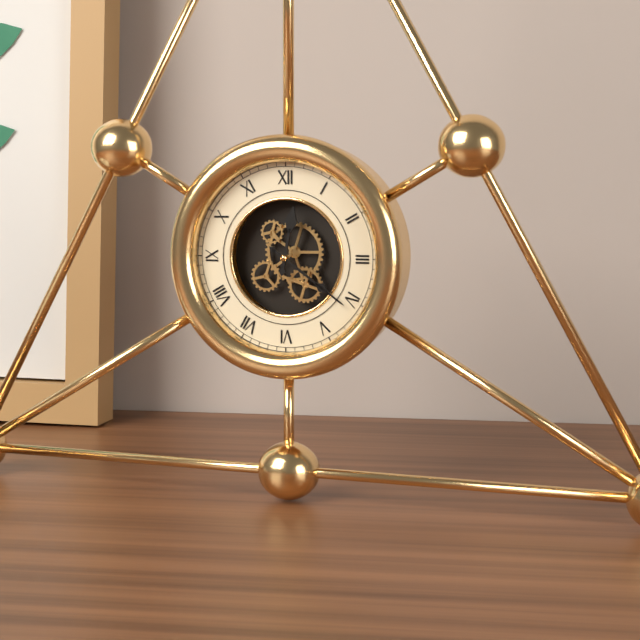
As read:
12,21
